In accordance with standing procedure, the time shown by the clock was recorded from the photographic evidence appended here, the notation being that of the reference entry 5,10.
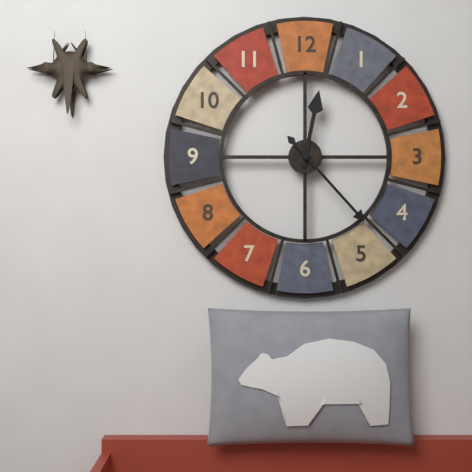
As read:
12,23
